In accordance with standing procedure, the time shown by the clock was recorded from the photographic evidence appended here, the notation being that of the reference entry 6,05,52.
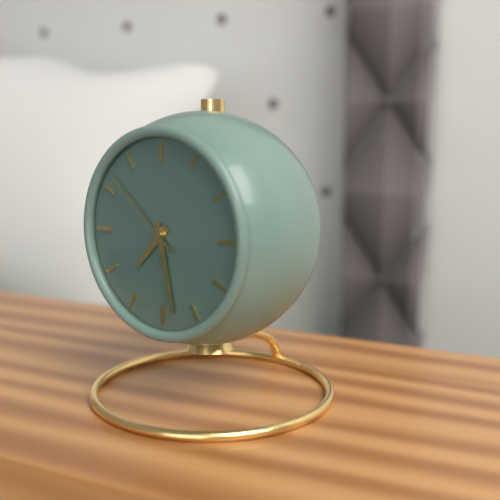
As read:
7,28,52
